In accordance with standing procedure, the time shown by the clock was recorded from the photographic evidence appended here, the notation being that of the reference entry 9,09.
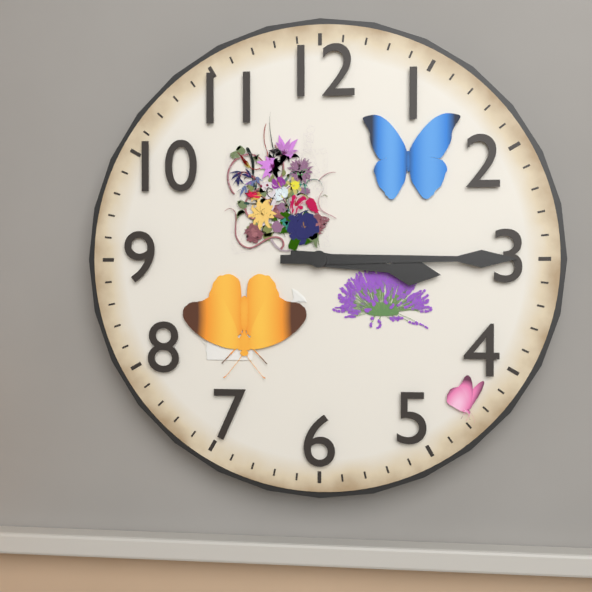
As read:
3,15
